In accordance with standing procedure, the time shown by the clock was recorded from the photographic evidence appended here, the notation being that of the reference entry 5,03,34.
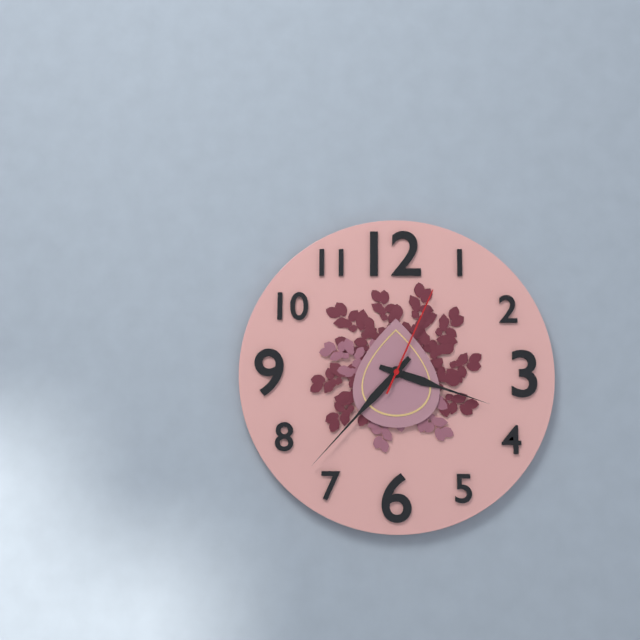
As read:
3,37,04
